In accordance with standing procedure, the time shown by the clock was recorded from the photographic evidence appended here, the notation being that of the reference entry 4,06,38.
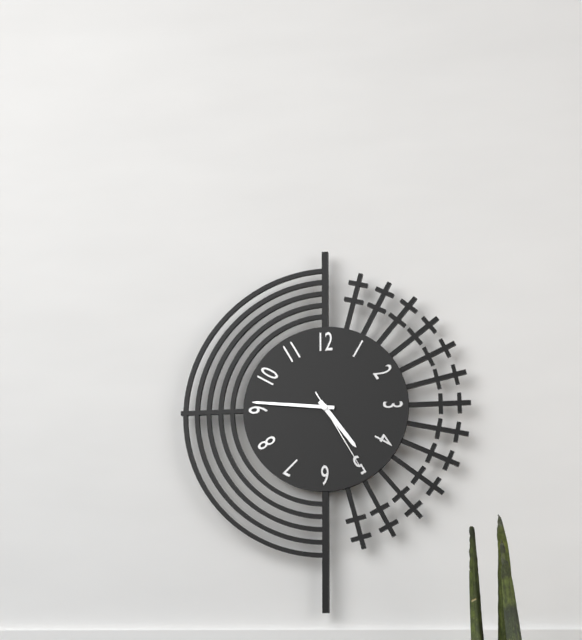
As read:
4,46,25
